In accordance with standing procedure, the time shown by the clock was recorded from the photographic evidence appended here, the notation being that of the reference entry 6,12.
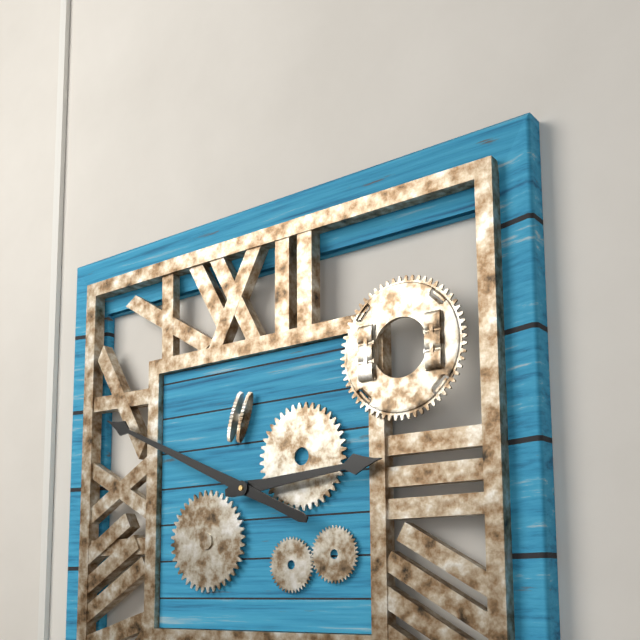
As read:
2,49
